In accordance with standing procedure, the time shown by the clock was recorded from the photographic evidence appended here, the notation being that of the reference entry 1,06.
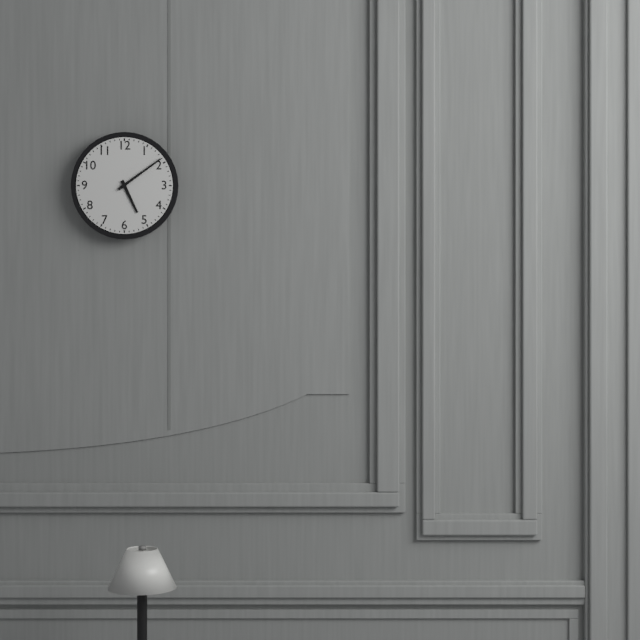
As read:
5,09
